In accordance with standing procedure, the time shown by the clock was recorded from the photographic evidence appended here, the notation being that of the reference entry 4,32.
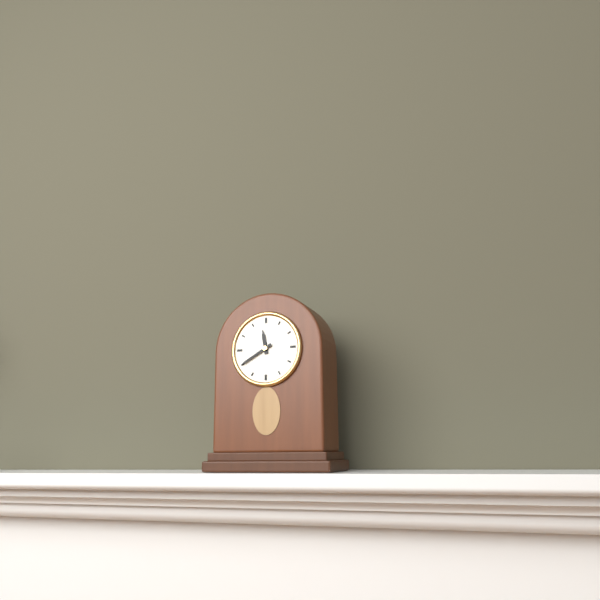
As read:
11,40
